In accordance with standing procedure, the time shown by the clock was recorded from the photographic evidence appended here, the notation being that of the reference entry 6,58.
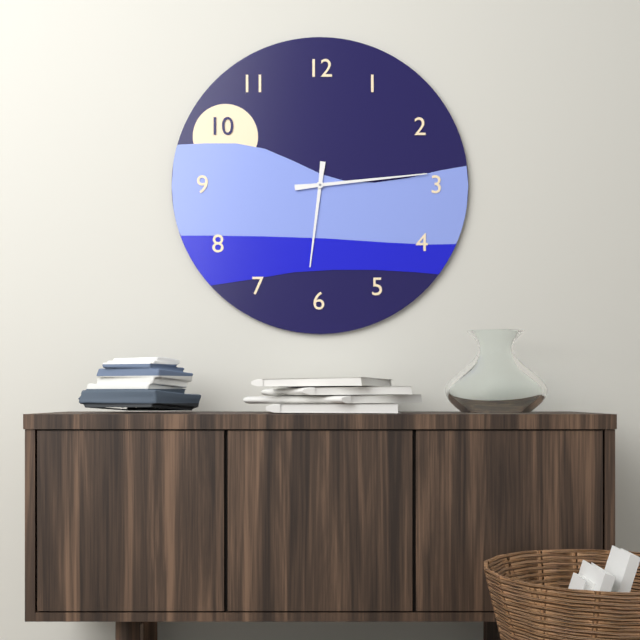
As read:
6,14
